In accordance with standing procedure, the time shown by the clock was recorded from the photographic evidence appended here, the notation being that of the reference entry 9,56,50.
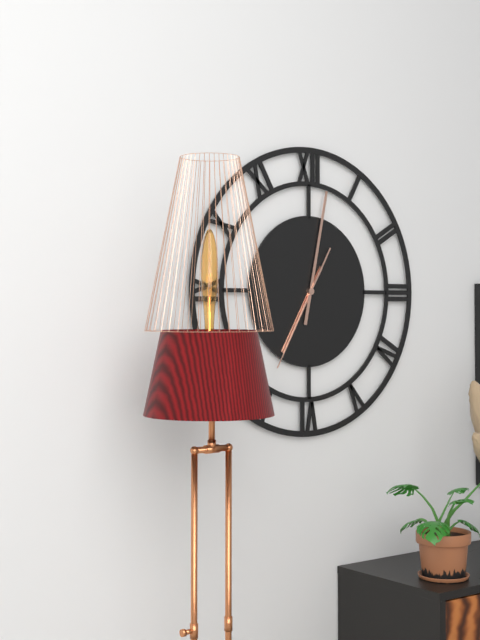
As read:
7,02,35
